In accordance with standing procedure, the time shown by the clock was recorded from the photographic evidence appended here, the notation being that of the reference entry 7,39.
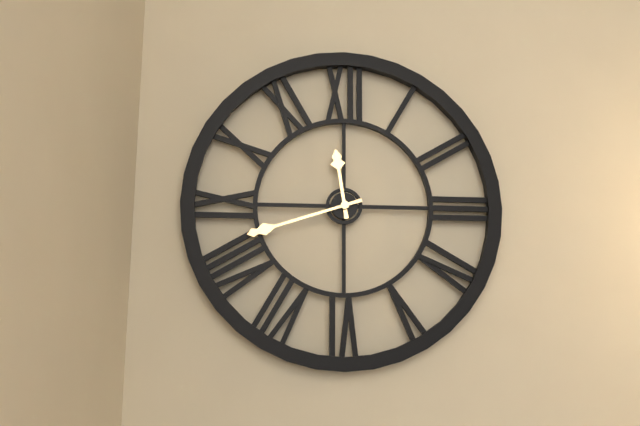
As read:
11,42
